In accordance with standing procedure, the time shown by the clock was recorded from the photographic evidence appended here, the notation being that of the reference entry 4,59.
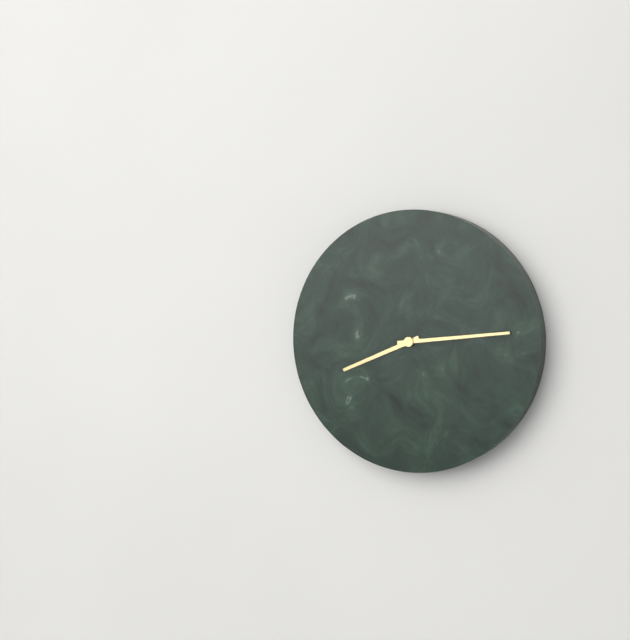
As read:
8,14
